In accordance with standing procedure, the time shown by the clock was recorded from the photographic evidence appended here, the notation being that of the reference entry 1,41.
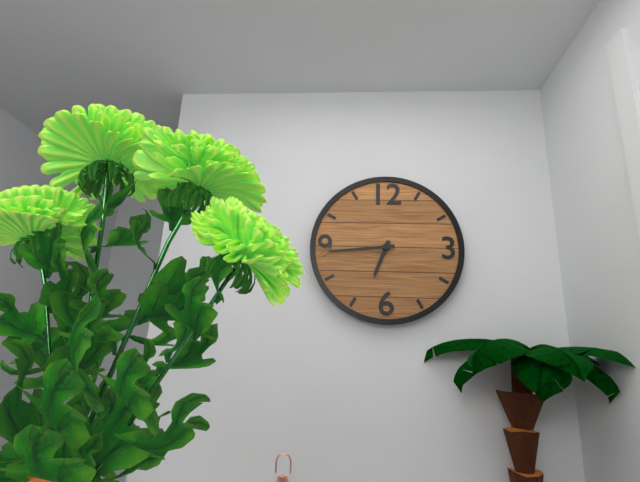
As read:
6,44
